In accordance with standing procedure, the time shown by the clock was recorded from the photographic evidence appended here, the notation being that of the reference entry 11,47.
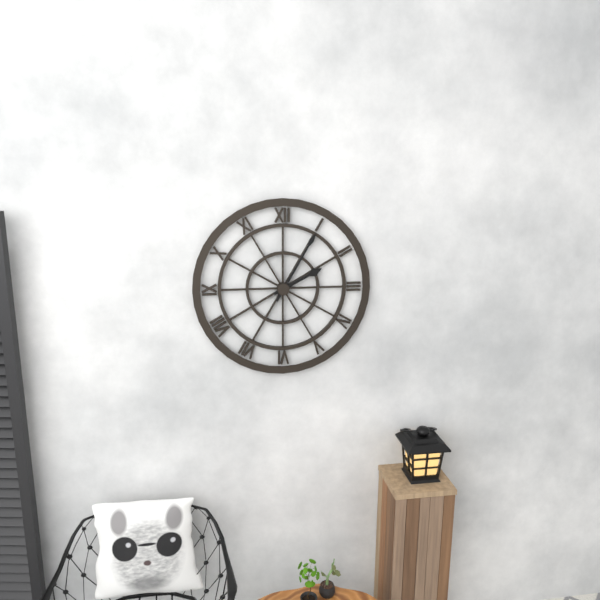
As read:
2,05
